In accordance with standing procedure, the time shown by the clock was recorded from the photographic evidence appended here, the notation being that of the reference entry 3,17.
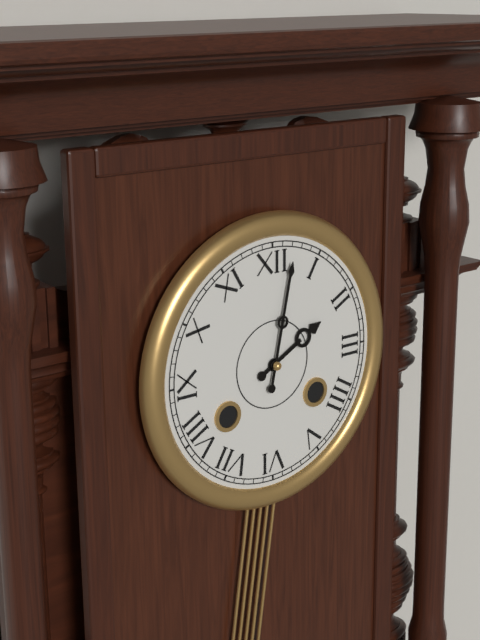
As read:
2,02
